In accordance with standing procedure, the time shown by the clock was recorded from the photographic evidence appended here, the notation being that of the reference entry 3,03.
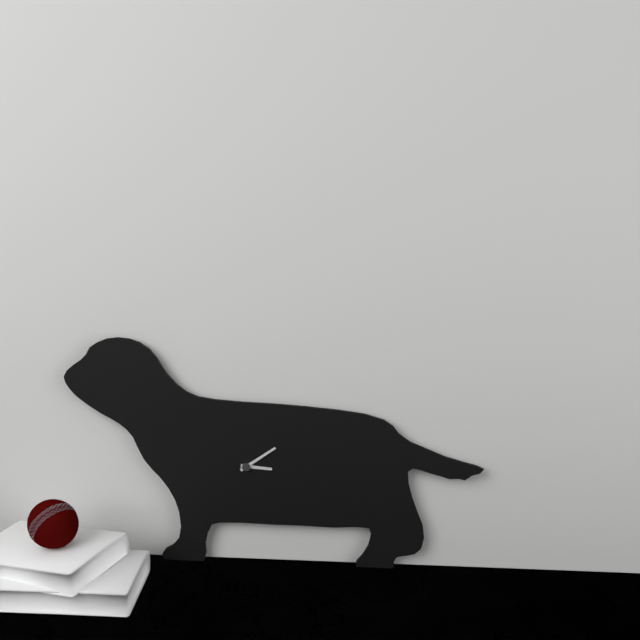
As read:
3,09
